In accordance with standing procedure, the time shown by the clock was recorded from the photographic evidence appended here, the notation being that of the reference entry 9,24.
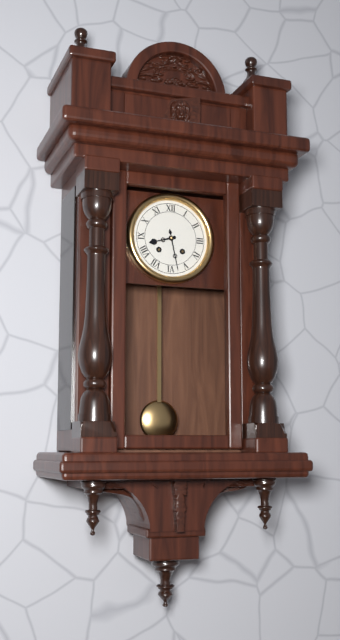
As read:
8,28
